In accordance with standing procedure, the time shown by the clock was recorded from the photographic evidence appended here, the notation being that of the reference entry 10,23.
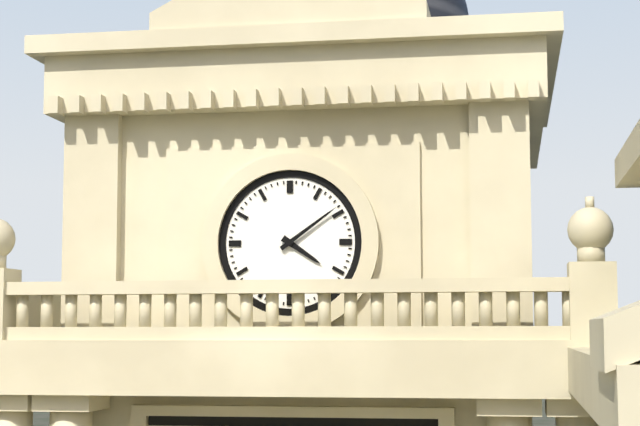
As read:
4,09
